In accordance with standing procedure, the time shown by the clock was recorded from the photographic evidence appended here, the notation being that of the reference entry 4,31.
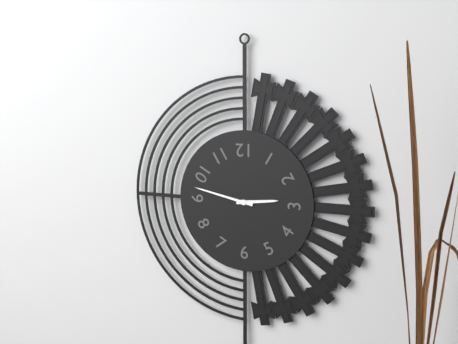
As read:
2,47
